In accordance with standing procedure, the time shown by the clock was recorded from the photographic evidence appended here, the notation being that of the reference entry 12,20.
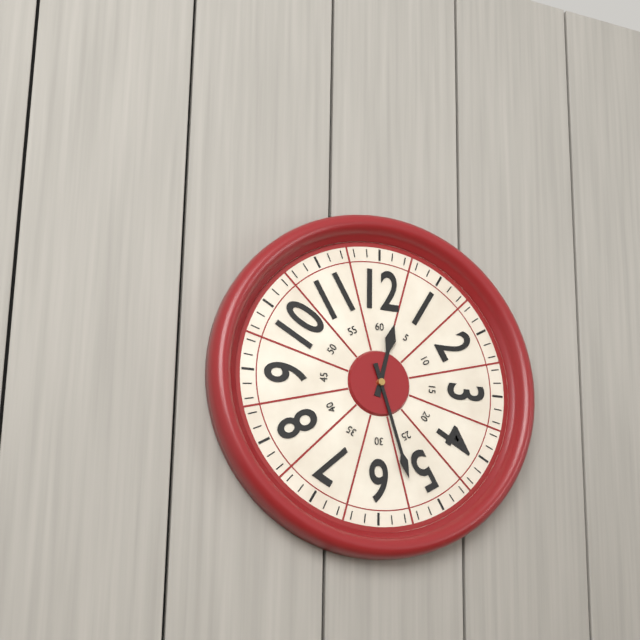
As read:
12,27
